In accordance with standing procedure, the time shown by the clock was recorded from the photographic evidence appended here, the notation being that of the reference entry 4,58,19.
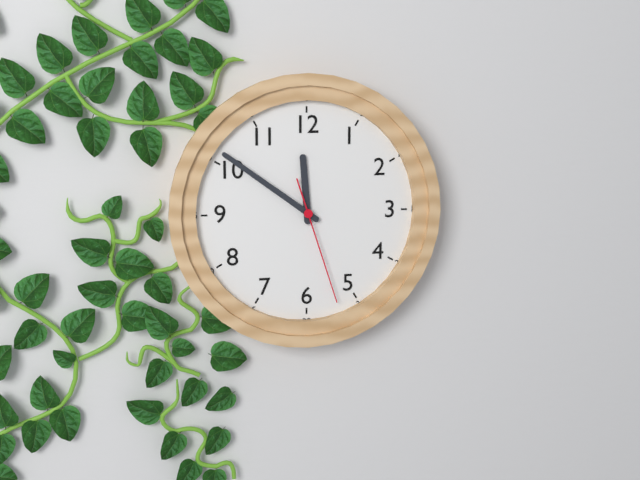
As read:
11,51,27
